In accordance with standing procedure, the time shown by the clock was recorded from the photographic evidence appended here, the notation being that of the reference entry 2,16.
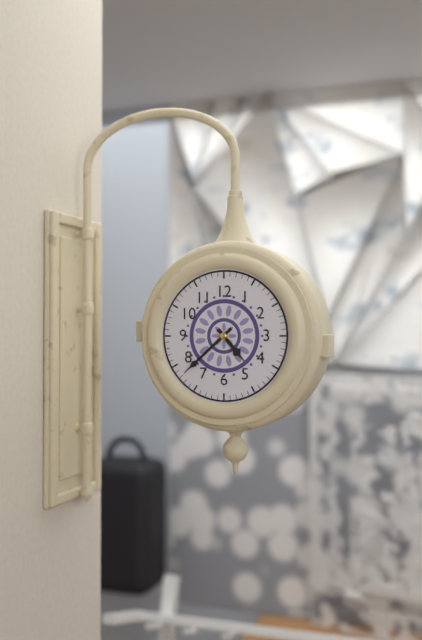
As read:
4,38
